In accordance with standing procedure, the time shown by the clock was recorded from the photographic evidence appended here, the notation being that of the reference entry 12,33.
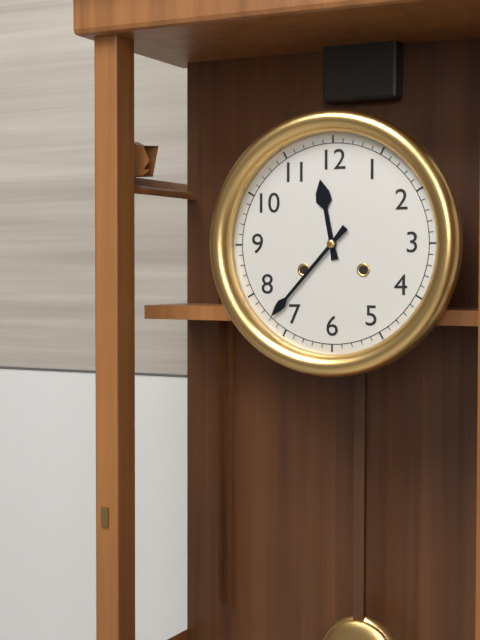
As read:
11,37
